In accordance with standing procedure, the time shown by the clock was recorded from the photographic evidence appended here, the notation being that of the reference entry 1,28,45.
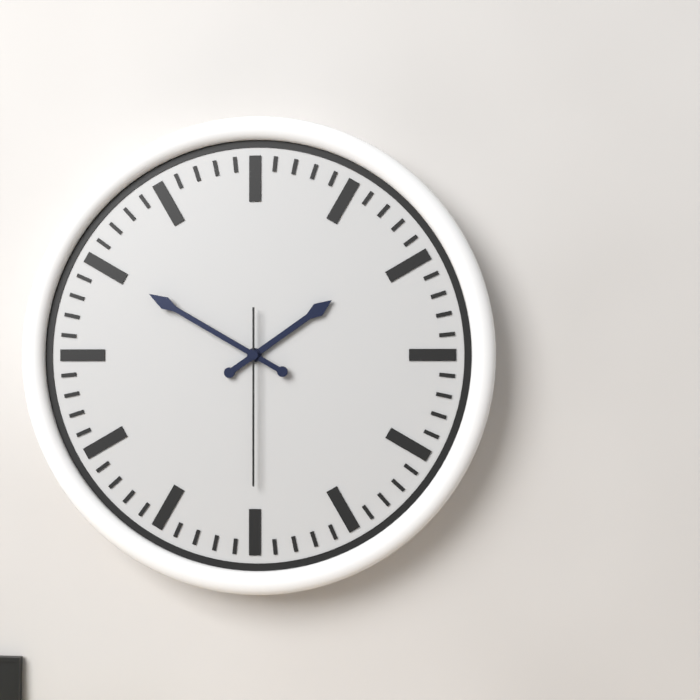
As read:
1,50,30
